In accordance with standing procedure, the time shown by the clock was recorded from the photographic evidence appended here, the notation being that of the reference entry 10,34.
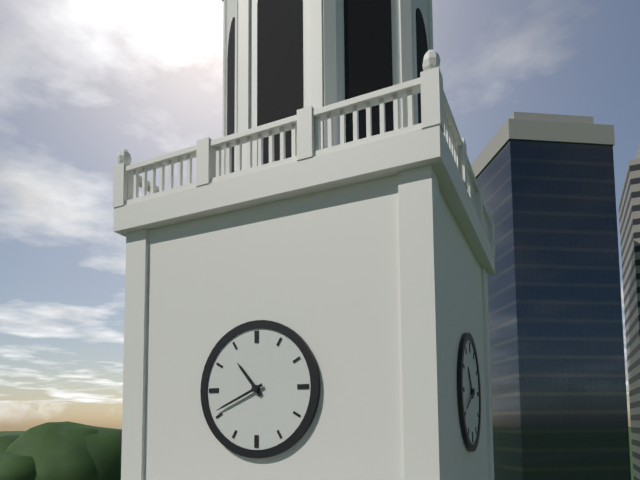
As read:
10,41
